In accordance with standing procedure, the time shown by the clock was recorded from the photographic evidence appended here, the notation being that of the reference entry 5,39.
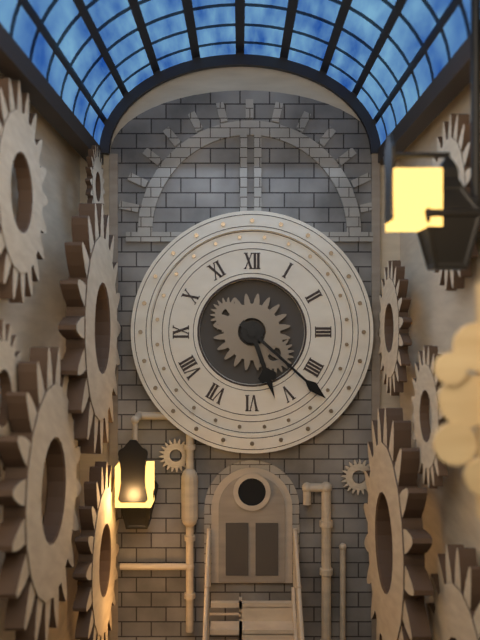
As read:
5,22
